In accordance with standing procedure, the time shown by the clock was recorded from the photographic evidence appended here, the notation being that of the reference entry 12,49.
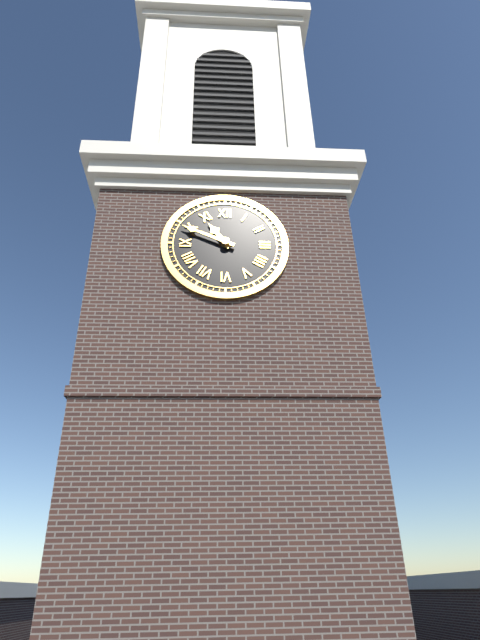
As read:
10,49
